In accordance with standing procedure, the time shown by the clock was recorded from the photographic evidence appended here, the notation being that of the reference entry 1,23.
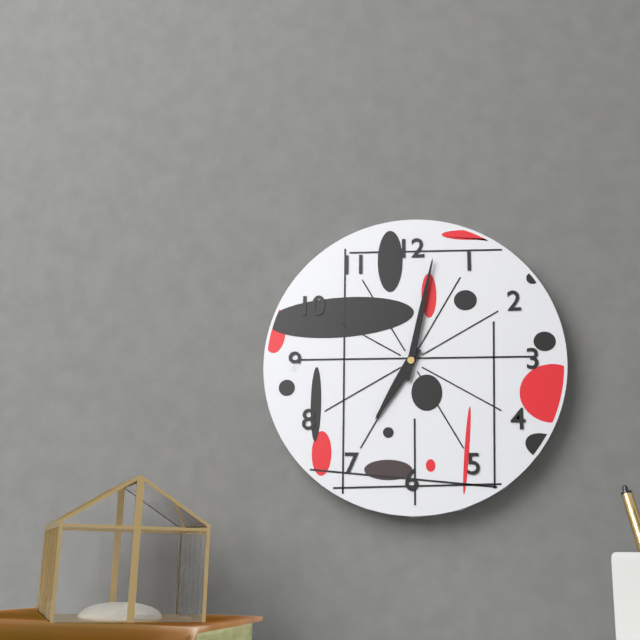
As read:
7,02
